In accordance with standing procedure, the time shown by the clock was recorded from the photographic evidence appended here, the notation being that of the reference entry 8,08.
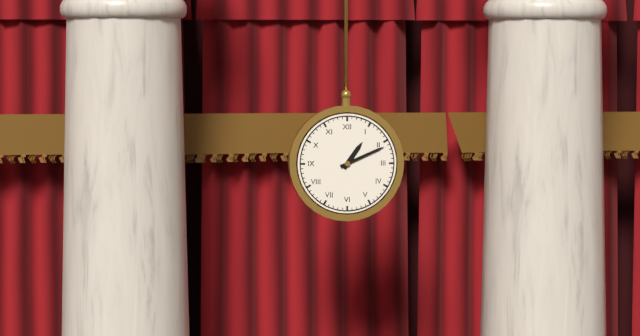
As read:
1,11
